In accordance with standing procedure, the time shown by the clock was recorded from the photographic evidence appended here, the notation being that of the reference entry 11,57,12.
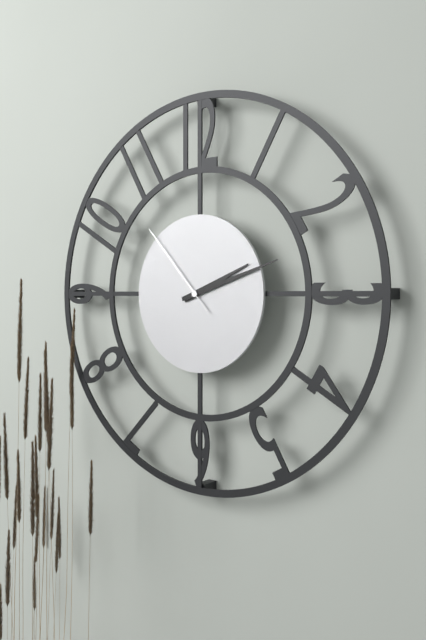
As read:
2,12,53
